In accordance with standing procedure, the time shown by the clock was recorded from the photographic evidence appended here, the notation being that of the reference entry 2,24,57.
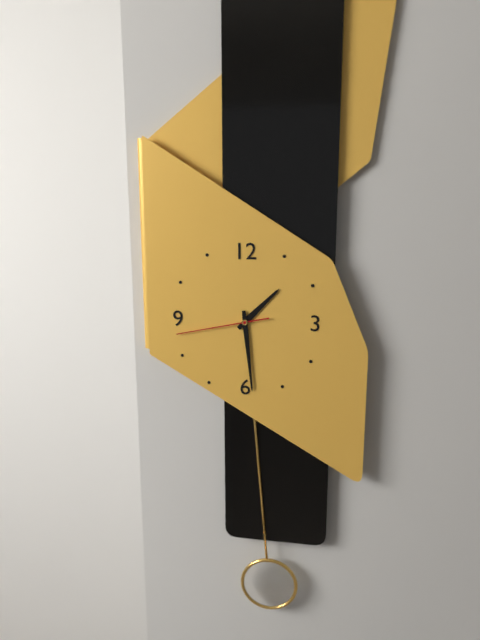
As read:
1,29,43
